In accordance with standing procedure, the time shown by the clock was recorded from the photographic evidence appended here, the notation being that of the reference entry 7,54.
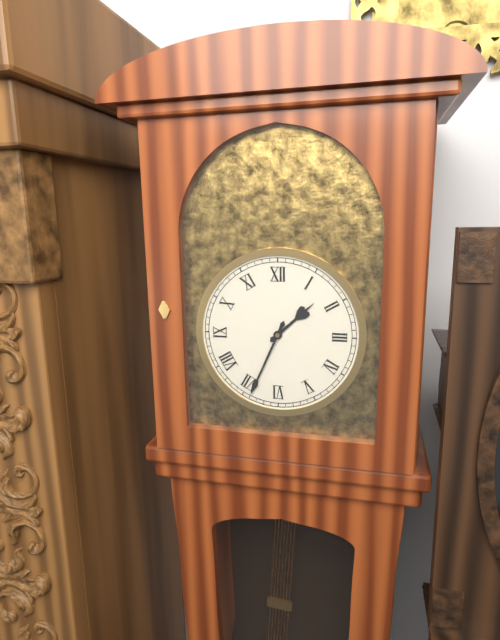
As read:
1,34
